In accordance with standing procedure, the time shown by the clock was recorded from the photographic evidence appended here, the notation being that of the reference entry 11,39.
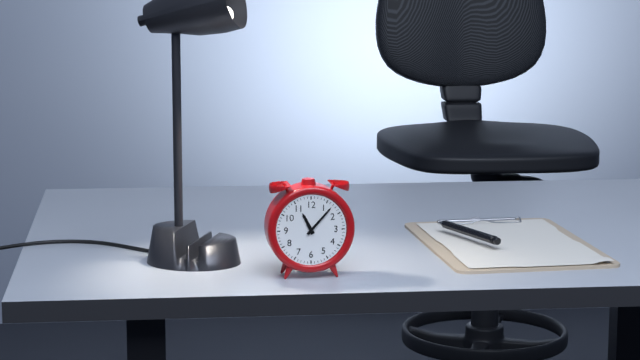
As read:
11,07
